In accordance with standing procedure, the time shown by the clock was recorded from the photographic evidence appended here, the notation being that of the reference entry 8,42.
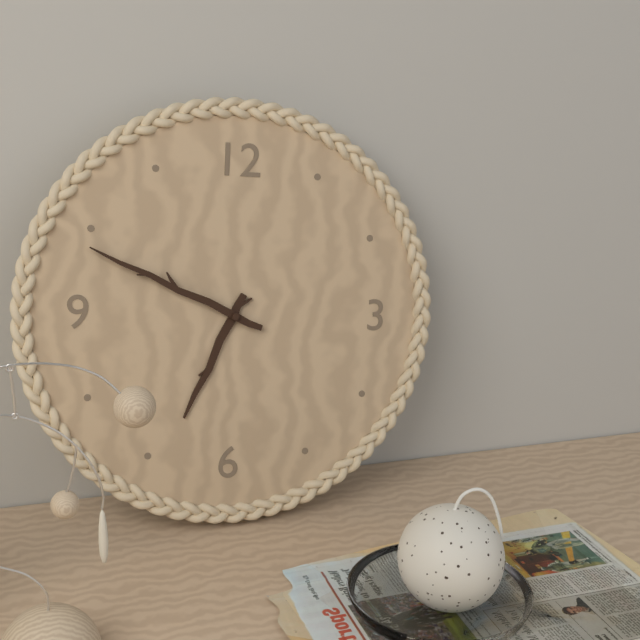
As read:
6,49
